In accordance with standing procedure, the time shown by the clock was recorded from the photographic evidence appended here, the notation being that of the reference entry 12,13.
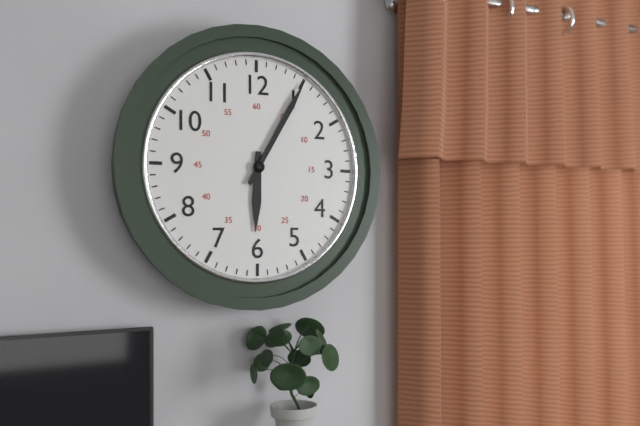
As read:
6,05
